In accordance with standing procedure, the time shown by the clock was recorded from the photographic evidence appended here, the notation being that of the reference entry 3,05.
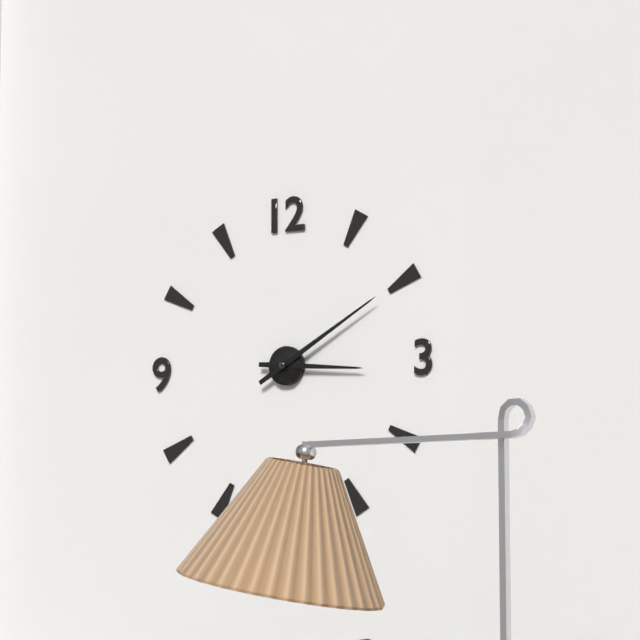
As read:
3,10
